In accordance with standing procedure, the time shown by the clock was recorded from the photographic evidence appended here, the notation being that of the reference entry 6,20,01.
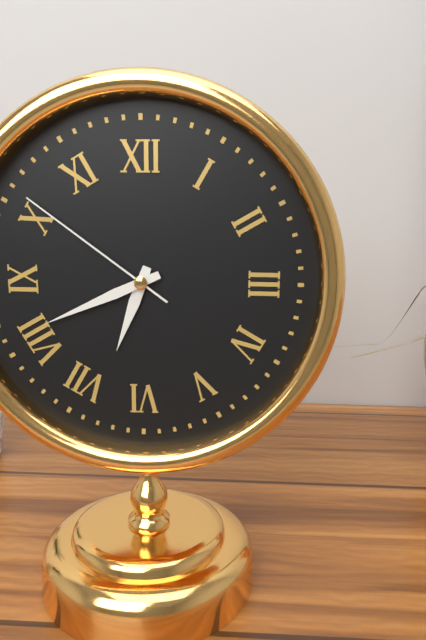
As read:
6,41,51
